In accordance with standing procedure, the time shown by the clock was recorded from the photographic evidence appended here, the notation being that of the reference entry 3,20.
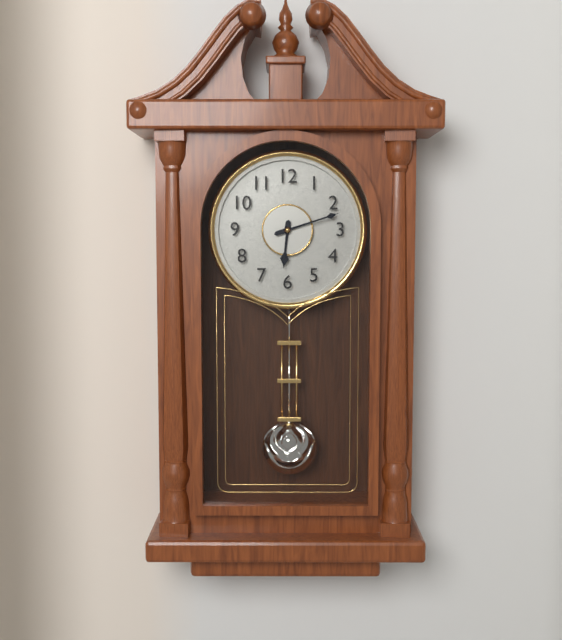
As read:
6,12
